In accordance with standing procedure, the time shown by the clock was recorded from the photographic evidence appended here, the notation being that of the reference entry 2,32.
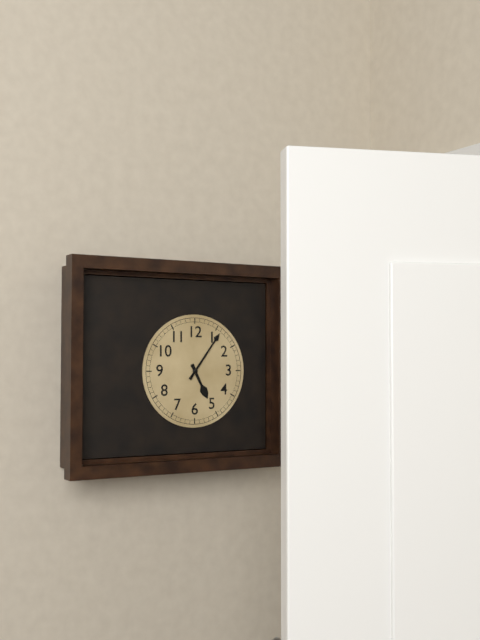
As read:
5,06
